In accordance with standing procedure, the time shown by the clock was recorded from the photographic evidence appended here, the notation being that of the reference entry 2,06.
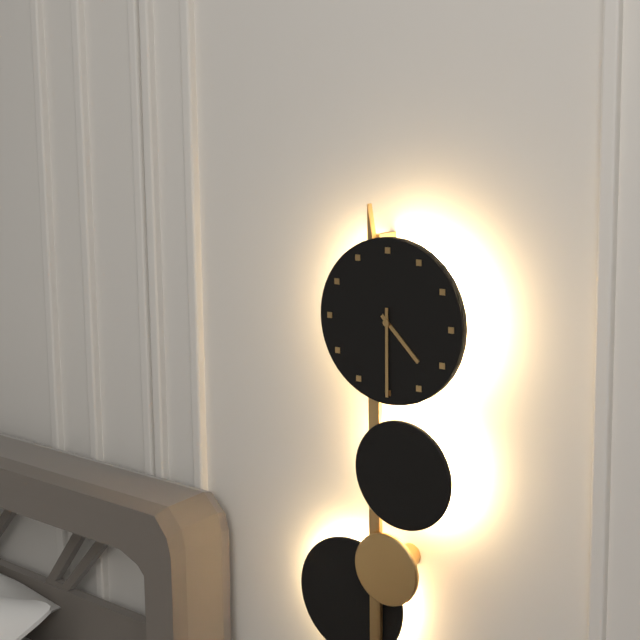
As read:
4,30
